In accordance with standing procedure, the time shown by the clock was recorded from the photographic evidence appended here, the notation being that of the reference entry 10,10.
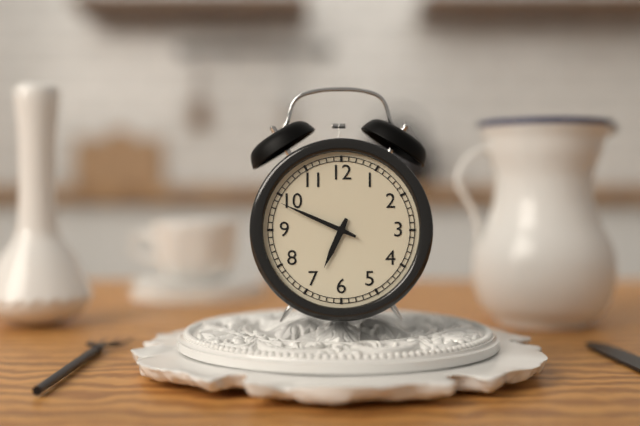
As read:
6,49
